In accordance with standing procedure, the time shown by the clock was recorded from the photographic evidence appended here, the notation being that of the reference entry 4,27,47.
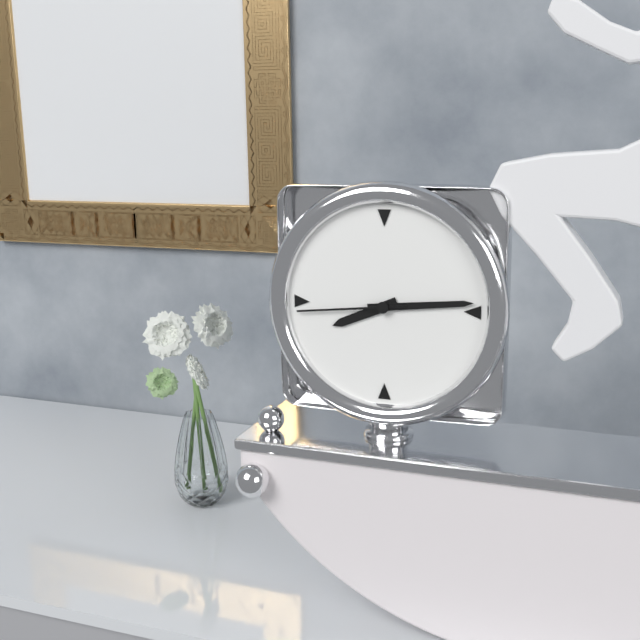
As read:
8,14,44
